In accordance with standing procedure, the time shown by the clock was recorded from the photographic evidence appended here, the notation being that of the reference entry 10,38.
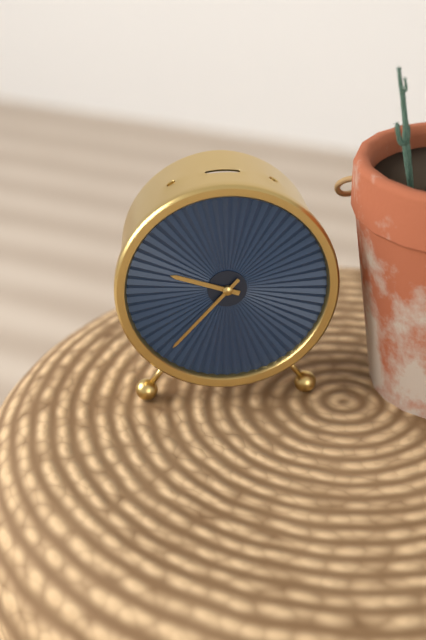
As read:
9,37
